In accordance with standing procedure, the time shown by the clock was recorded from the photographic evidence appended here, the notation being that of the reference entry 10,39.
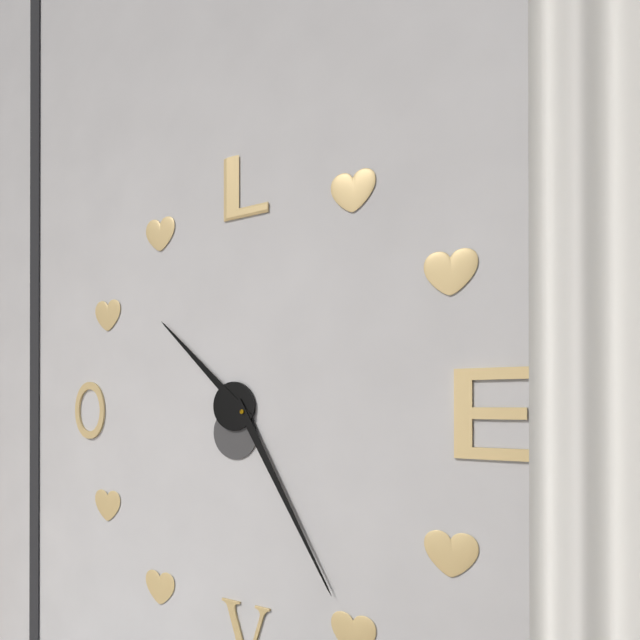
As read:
10,25
